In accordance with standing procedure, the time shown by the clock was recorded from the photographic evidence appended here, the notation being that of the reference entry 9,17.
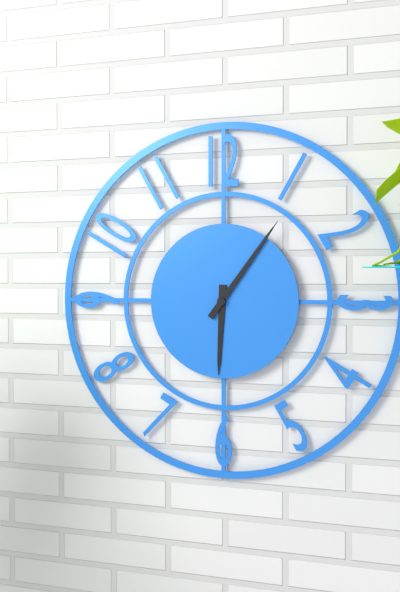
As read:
6,06
